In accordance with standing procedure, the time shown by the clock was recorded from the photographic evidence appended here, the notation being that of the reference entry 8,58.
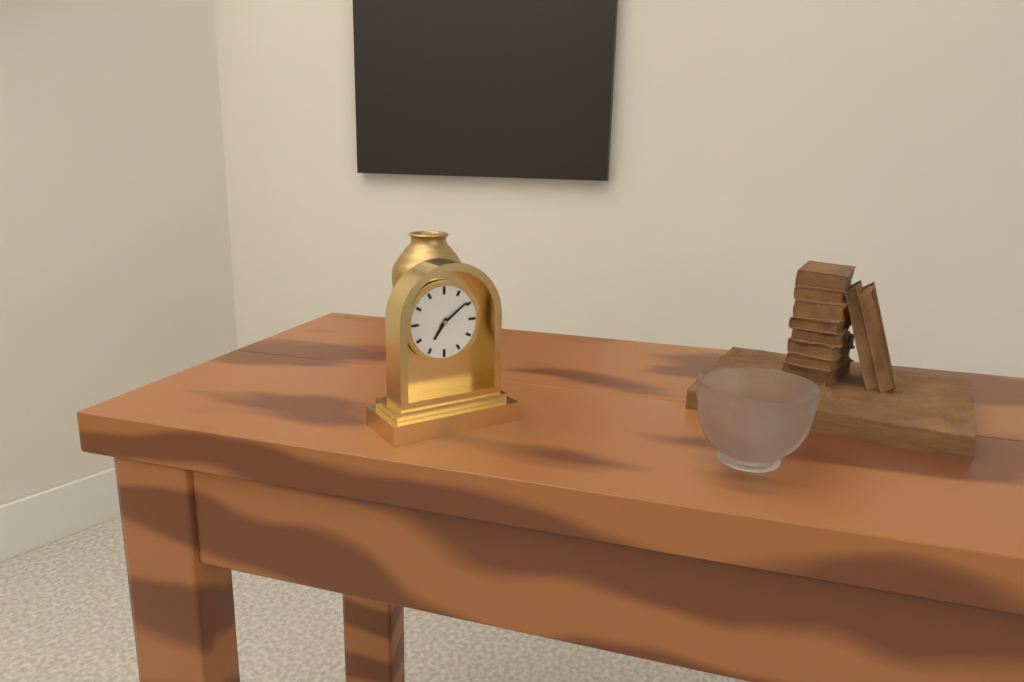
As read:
7,09
